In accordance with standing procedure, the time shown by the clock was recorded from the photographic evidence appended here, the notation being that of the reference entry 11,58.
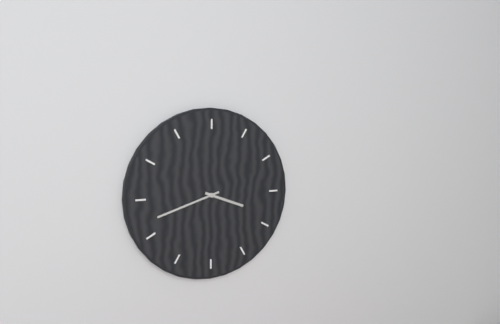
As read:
3,42
